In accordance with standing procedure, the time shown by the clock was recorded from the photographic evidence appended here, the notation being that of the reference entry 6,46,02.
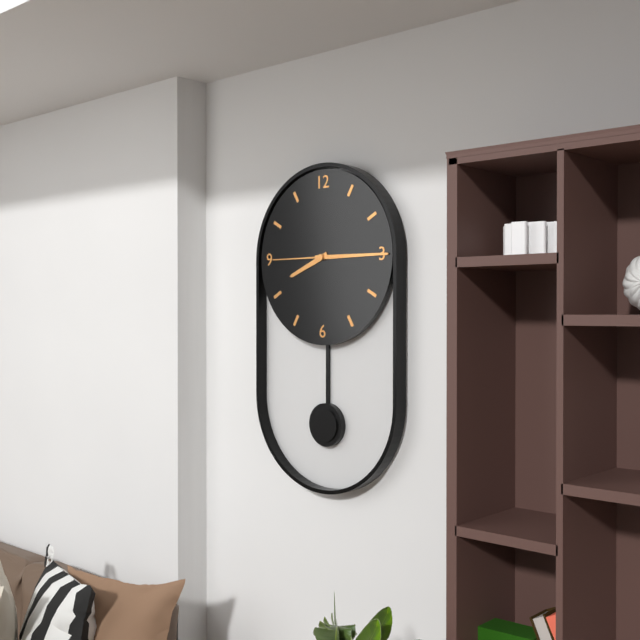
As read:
8,15,45
